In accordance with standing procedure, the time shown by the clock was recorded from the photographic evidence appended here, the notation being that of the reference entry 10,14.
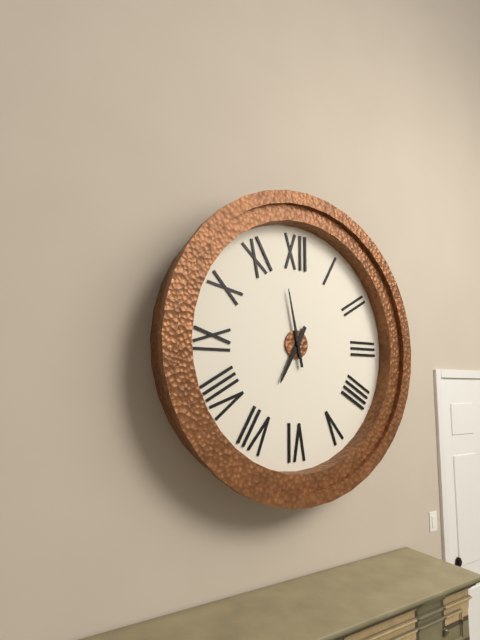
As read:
6,58
